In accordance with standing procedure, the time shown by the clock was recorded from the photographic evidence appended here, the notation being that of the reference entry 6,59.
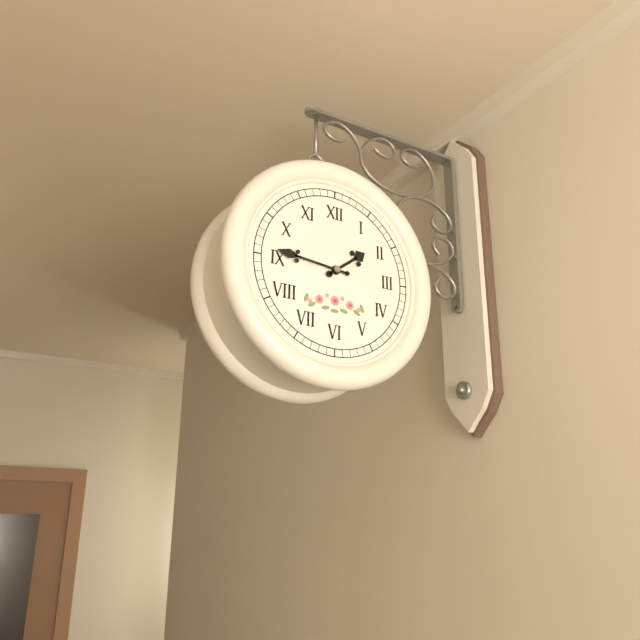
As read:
1,46
